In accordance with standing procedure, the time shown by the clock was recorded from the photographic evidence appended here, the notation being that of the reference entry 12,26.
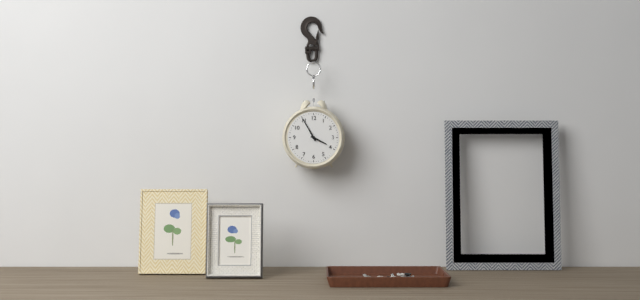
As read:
3,55
